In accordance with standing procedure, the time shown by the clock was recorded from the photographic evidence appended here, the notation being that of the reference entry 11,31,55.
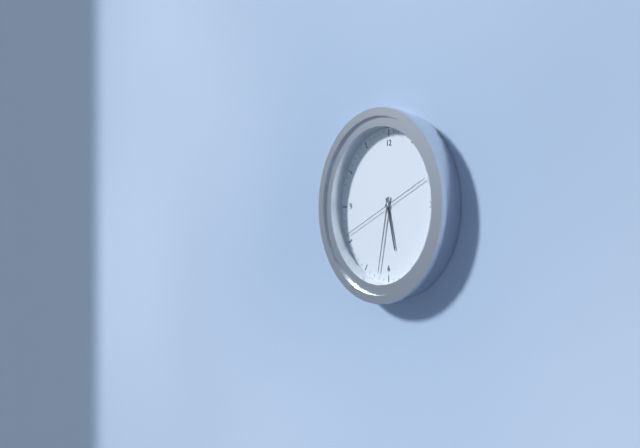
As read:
5,32,41
